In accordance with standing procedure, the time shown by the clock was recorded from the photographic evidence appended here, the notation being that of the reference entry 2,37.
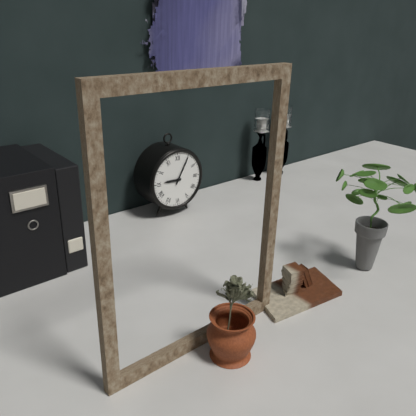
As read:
9,05
